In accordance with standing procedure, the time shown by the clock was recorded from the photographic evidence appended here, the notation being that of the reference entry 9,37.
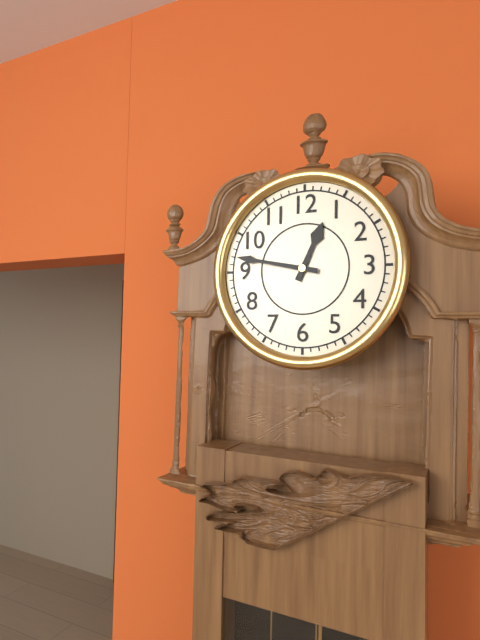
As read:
12,47
